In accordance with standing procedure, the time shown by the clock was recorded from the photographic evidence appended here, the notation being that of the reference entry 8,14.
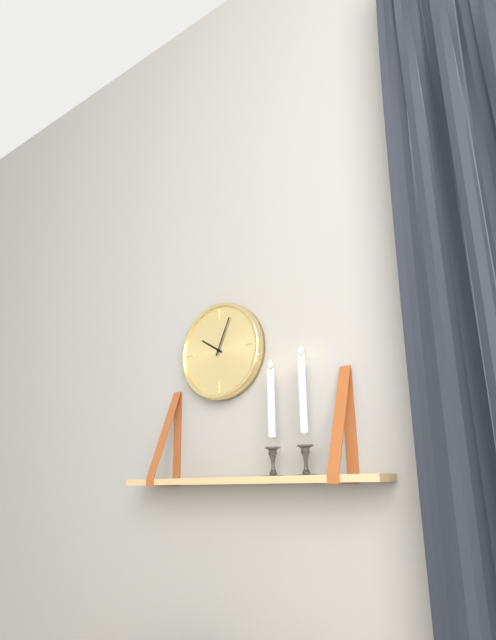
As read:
10,04
